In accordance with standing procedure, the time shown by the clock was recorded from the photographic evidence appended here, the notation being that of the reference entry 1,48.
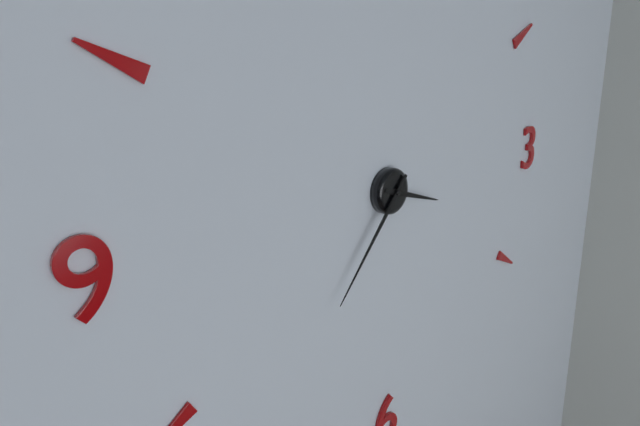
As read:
3,37
